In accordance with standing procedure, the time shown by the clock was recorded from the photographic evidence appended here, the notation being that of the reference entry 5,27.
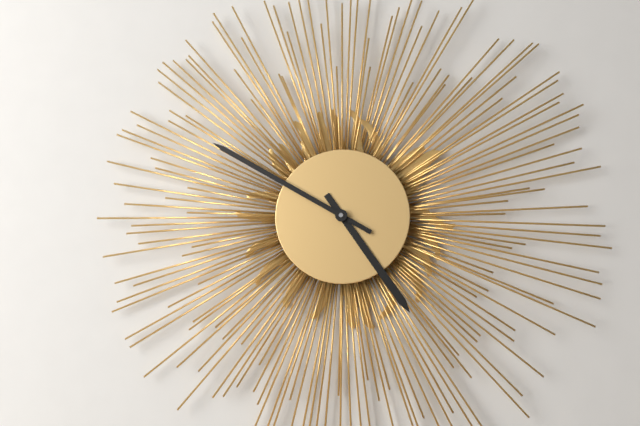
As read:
4,50
